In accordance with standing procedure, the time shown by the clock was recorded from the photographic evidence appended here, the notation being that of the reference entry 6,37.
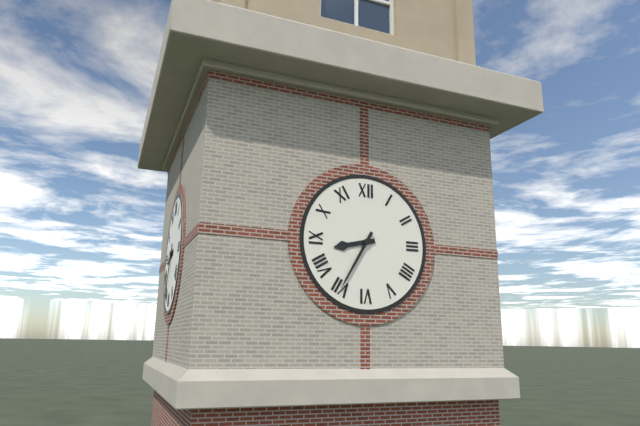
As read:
8,35
